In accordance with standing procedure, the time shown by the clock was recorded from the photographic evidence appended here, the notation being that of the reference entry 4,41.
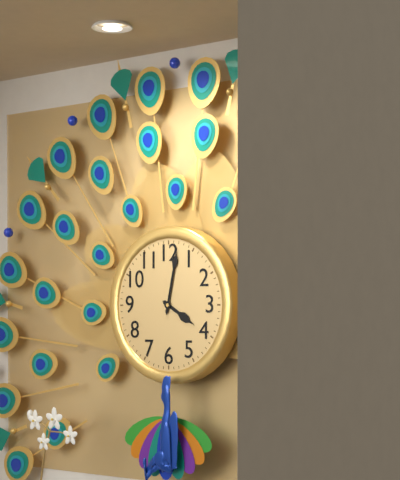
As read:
4,02
